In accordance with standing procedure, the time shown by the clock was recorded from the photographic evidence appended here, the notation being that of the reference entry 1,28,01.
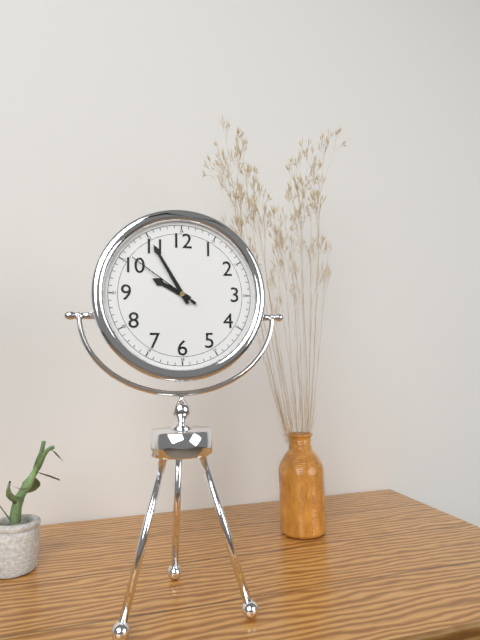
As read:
9,55,51
